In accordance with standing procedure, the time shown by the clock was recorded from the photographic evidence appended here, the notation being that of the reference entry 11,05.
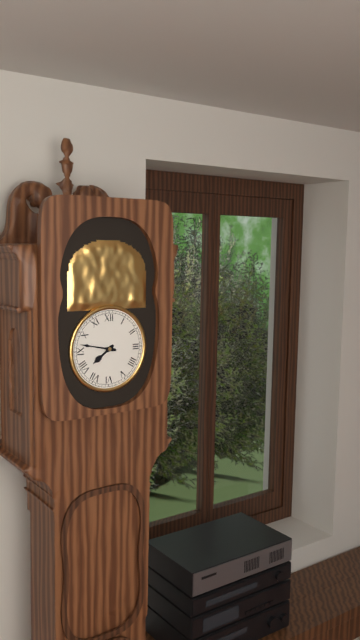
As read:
7,47
